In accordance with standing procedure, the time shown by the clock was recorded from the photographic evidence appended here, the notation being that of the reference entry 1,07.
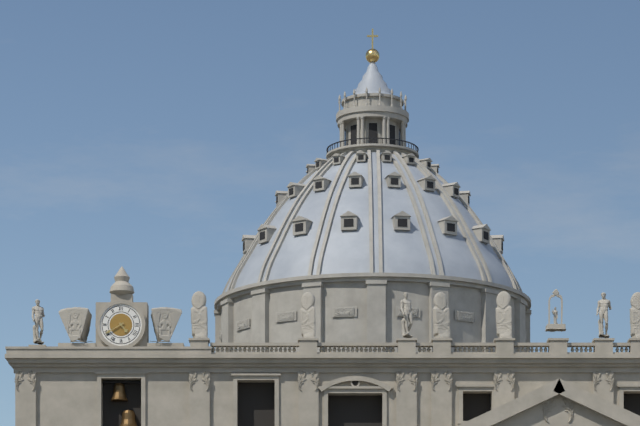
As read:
4,40
